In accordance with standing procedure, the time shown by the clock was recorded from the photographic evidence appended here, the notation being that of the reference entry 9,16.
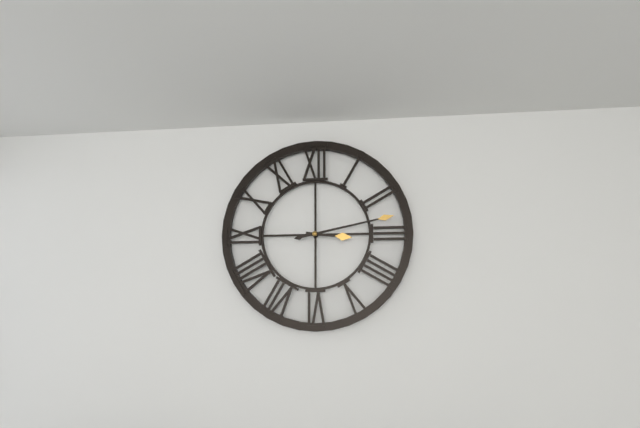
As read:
3,13
